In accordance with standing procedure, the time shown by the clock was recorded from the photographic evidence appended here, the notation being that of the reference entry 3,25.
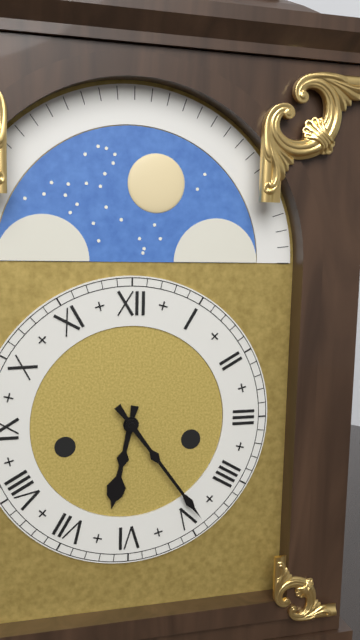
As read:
6,24
